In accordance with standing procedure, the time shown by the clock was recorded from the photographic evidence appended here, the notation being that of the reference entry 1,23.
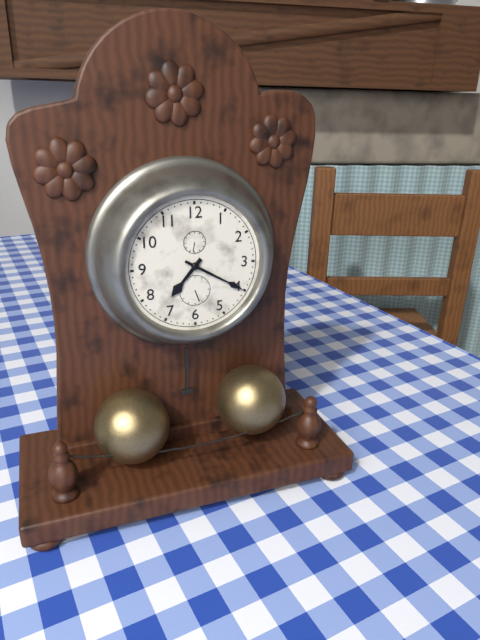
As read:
7,20
